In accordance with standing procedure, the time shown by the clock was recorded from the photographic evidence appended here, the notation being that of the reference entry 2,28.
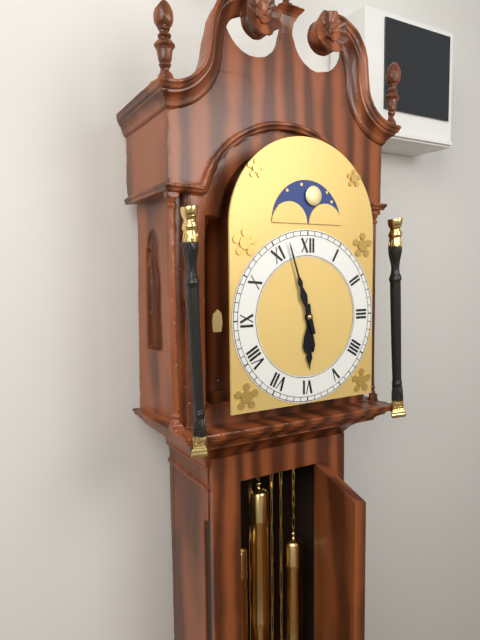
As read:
5,57
